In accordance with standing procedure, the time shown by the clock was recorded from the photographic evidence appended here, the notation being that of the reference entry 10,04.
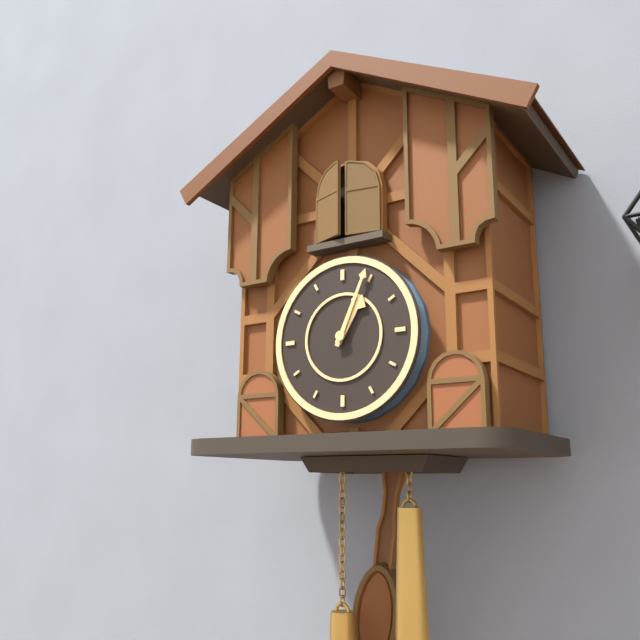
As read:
1,04
